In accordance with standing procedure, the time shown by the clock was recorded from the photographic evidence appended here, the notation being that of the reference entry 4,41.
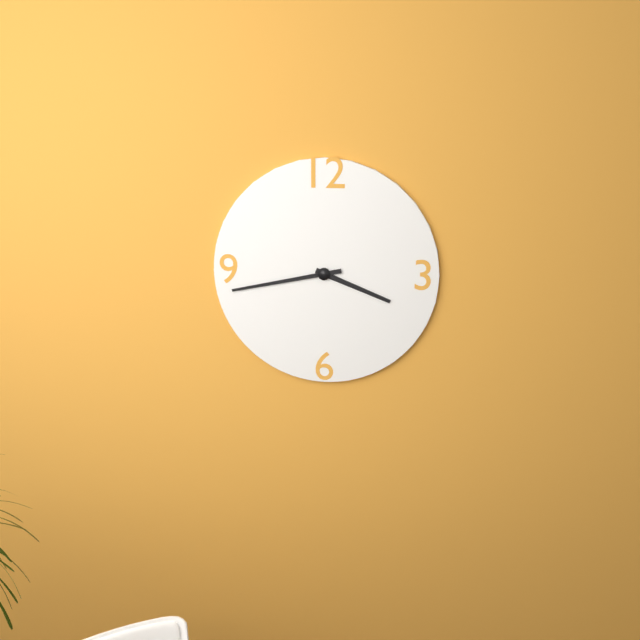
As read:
3,43
